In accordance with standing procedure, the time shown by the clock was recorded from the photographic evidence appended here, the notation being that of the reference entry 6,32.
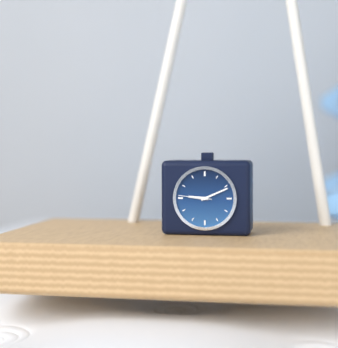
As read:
9,11
